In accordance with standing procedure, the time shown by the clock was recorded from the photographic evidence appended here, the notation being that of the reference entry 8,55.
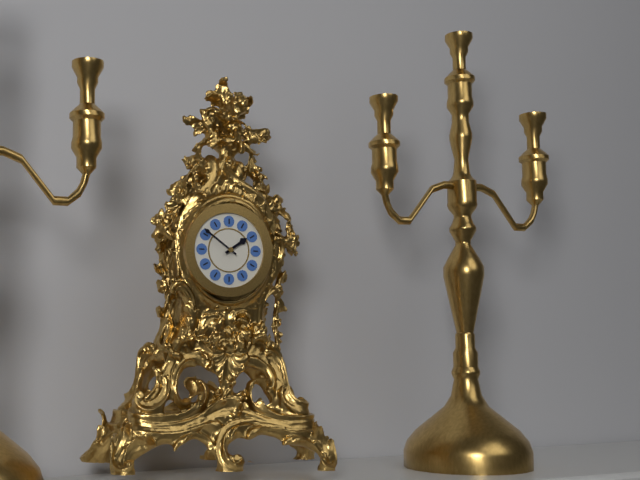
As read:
1,51
